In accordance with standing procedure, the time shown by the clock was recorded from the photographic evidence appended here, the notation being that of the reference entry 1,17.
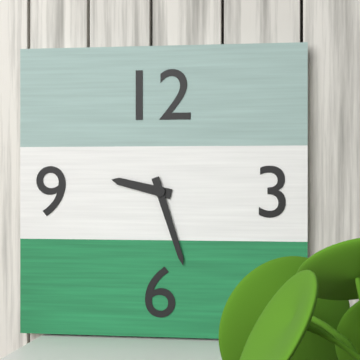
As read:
9,27
